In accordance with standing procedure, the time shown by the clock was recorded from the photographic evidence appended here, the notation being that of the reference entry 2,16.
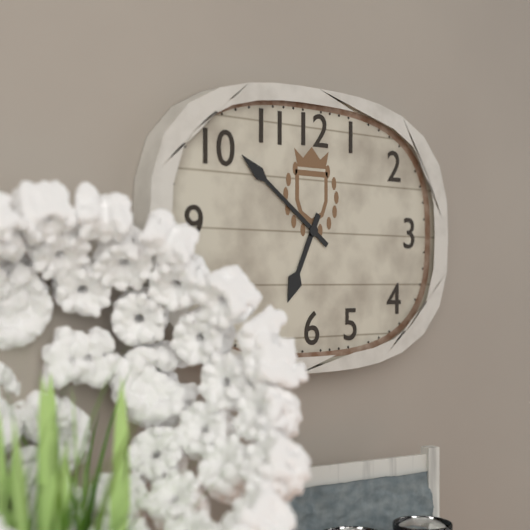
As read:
6,51
